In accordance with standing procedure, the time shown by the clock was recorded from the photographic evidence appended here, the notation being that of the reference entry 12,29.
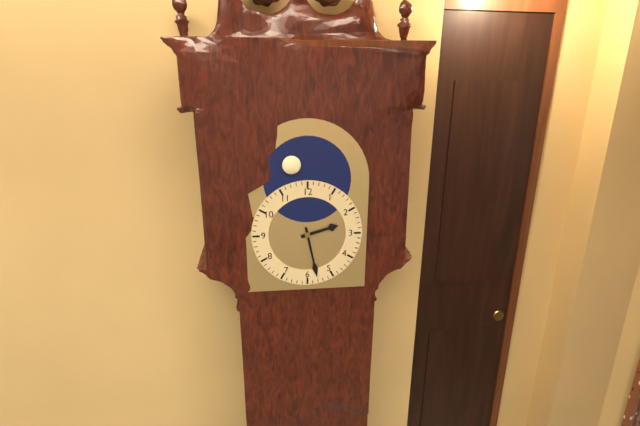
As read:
2,28
